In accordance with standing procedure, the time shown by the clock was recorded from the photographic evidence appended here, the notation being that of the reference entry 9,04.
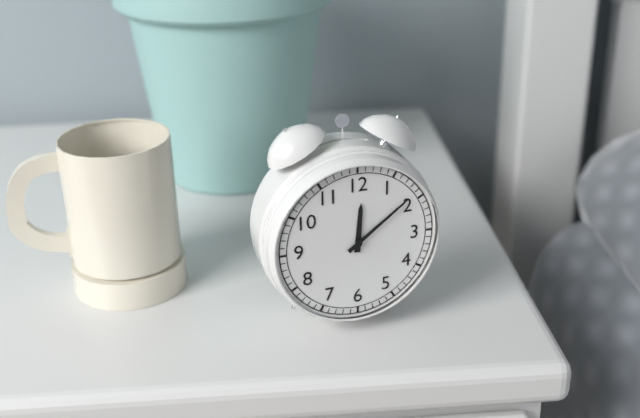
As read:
12,09
